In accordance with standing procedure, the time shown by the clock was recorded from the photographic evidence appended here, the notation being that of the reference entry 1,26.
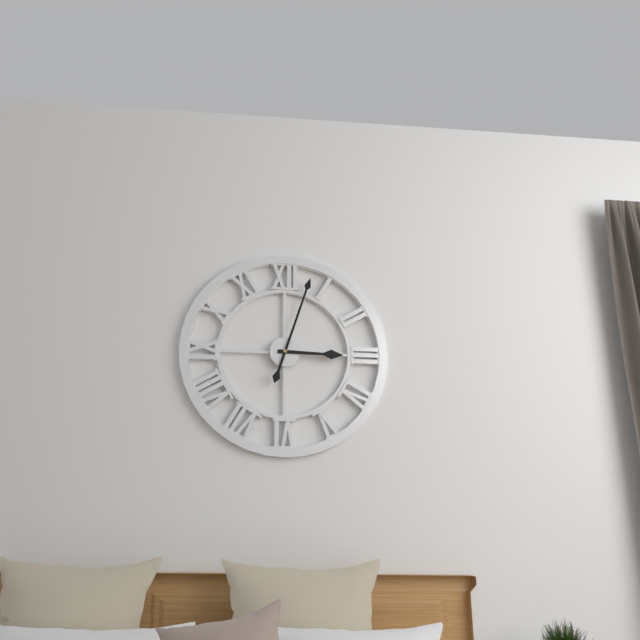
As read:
3,03
